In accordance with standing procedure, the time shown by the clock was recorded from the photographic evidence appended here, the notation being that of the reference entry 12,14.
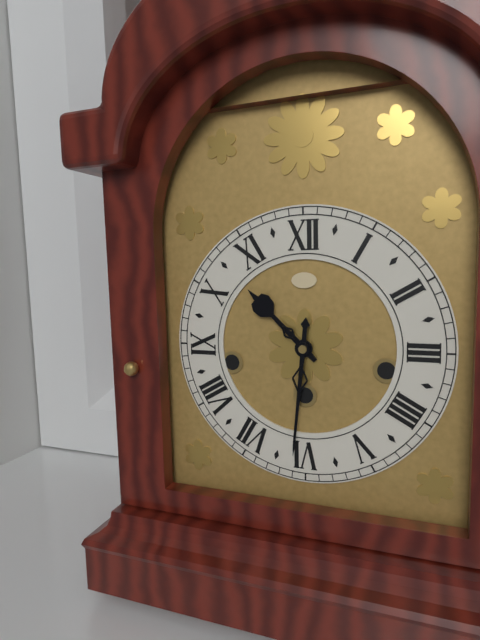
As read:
10,31
